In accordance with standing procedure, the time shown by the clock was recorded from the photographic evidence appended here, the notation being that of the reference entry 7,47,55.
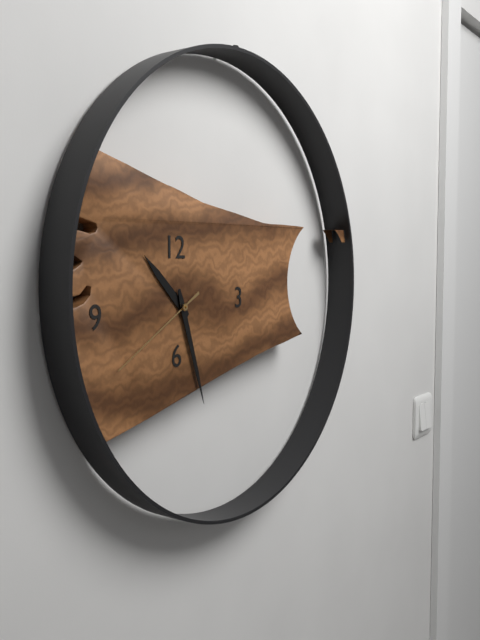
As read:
10,27,40
